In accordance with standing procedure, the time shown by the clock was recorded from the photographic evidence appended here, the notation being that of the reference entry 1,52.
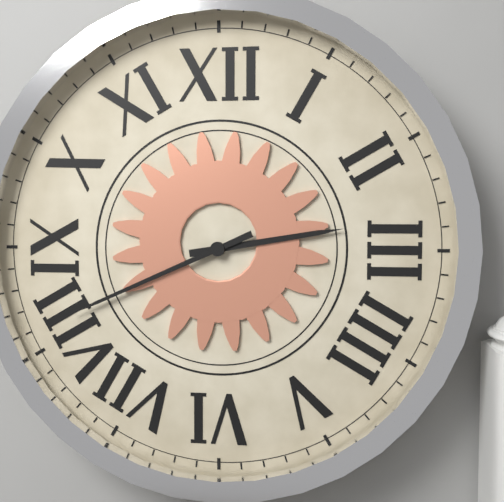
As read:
2,41
